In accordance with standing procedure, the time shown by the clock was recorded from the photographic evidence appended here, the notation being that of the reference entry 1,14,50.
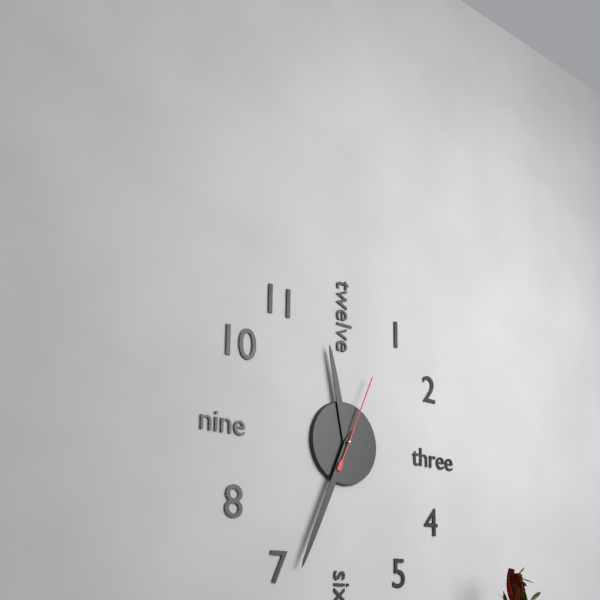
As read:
11,34,04
